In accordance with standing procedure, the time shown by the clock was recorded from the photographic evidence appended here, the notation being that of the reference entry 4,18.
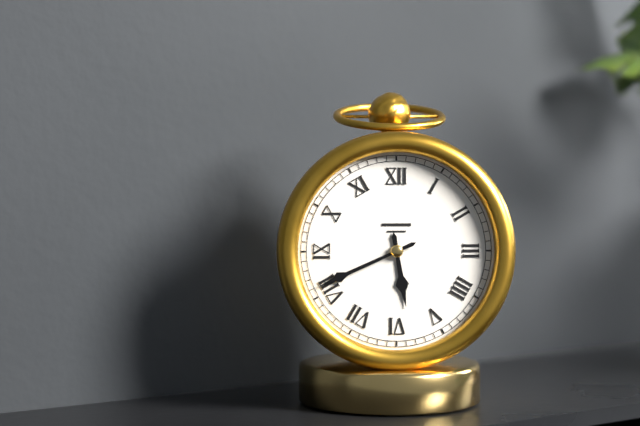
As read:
5,41
